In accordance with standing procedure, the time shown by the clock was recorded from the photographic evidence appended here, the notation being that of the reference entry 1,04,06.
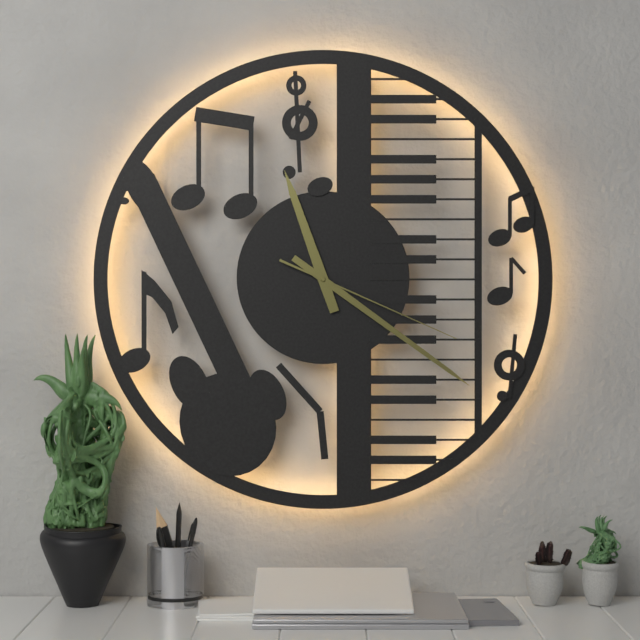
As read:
11,21,19
